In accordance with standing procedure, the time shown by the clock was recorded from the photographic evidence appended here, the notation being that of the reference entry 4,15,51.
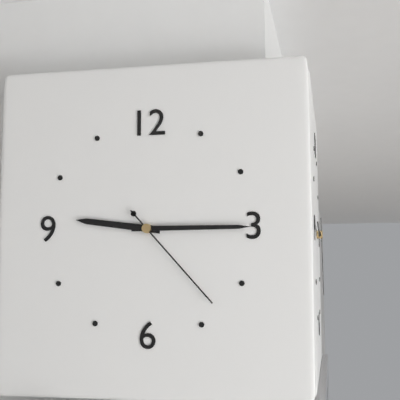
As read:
9,15,23
